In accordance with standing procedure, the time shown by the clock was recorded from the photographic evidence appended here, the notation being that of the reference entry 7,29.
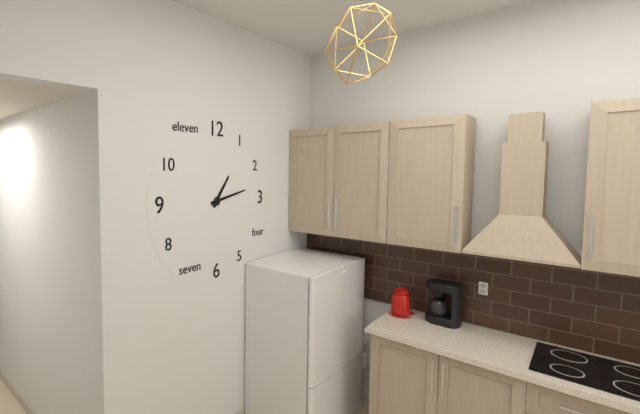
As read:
1,13
